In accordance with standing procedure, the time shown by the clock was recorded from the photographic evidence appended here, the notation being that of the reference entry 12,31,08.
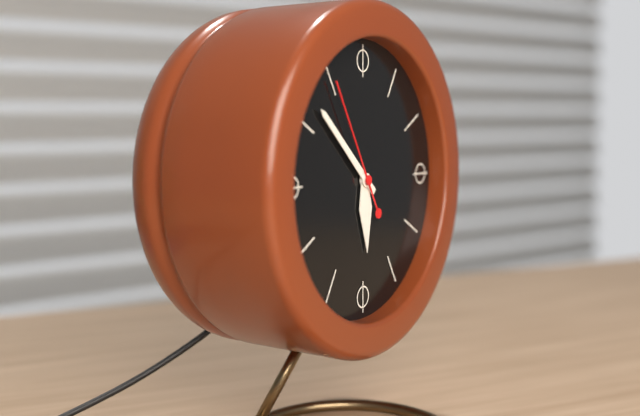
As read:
5,52,55
